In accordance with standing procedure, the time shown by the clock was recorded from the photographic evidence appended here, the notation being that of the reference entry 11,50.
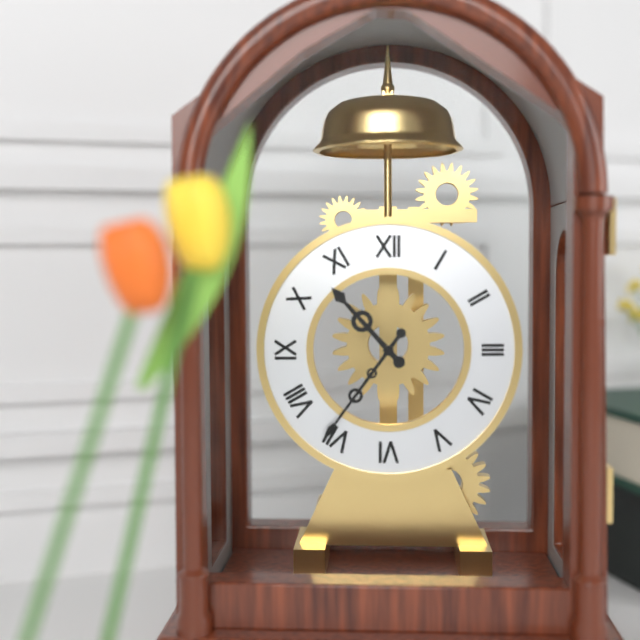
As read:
10,36
